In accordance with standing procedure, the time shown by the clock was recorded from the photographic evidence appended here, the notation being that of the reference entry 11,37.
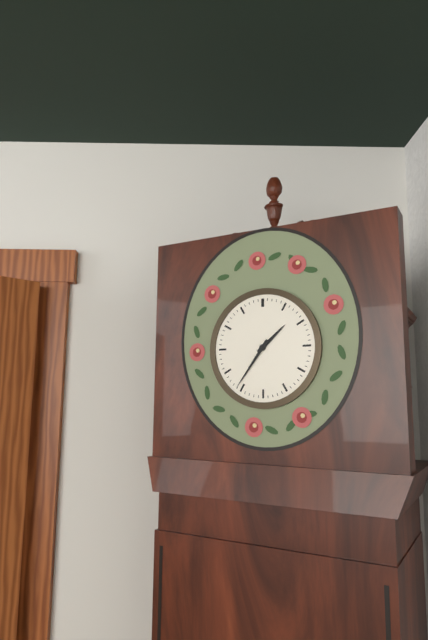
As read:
1,36
